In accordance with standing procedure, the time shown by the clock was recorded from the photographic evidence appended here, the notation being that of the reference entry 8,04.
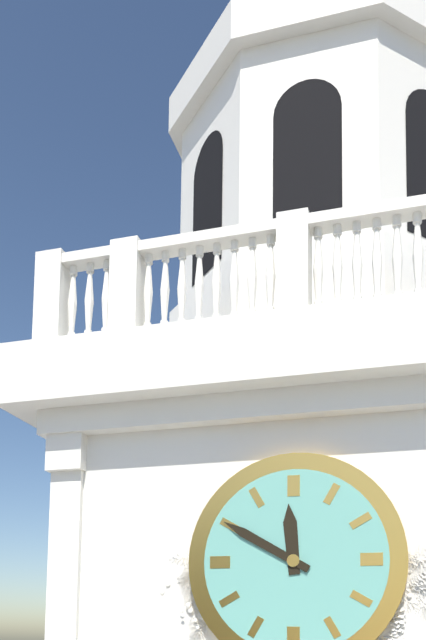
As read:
11,50
